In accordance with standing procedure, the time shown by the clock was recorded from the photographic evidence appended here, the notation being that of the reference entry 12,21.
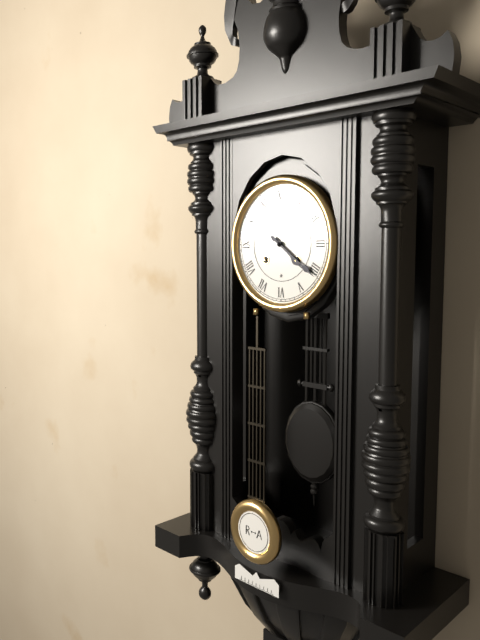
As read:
4,21
